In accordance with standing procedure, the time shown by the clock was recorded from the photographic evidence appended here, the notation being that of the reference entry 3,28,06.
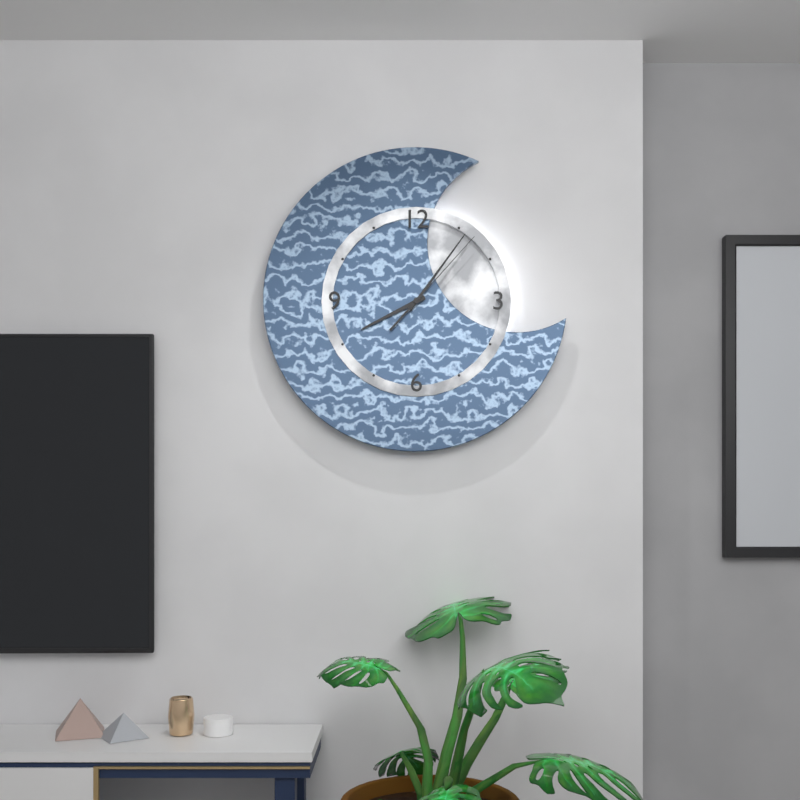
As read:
8,06,07
